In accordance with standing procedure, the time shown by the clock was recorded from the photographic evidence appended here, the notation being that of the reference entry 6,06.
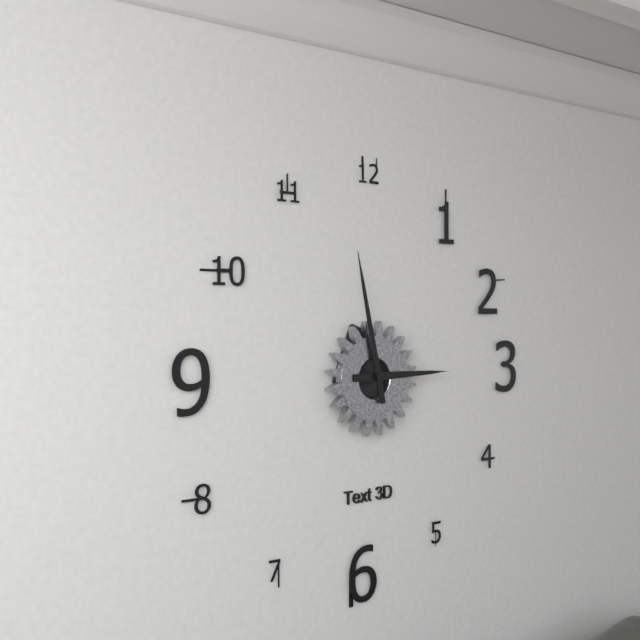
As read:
2,58
